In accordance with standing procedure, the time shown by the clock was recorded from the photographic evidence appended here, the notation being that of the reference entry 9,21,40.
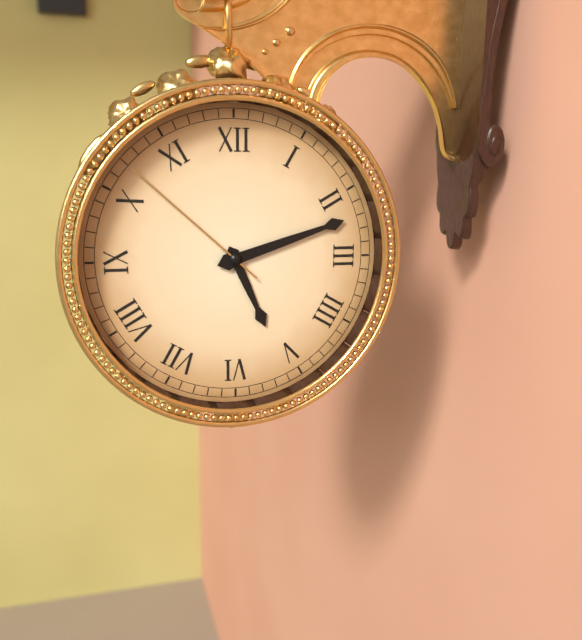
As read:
5,12,52
